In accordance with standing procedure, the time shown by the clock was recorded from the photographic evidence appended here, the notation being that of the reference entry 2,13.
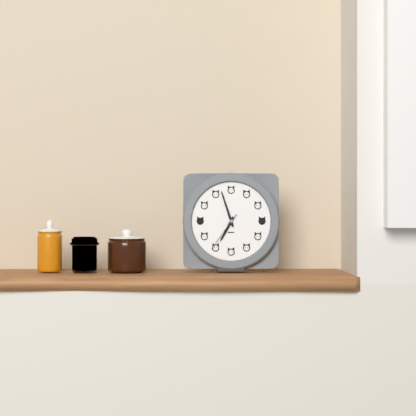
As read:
6,57
